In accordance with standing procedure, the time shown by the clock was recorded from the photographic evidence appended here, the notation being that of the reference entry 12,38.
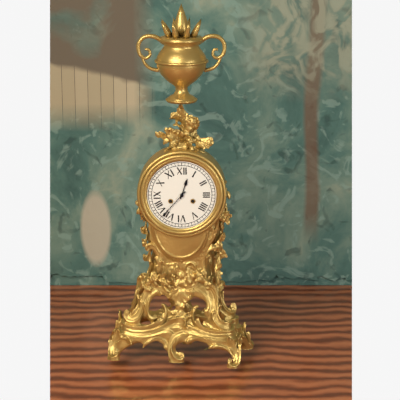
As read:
12,37
